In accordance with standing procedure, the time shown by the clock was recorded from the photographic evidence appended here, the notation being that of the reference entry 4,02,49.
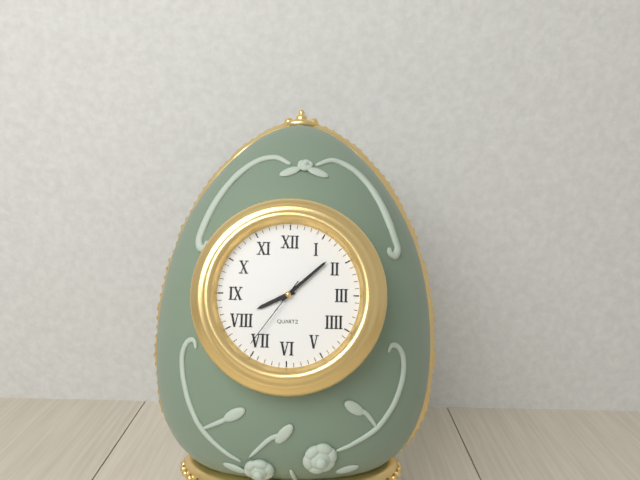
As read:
8,08,36
